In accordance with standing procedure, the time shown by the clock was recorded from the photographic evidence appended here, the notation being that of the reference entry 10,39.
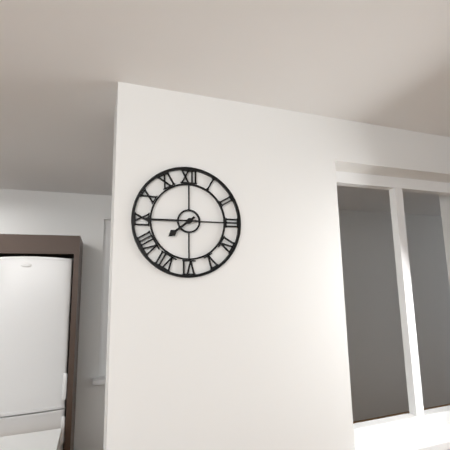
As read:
7,45
